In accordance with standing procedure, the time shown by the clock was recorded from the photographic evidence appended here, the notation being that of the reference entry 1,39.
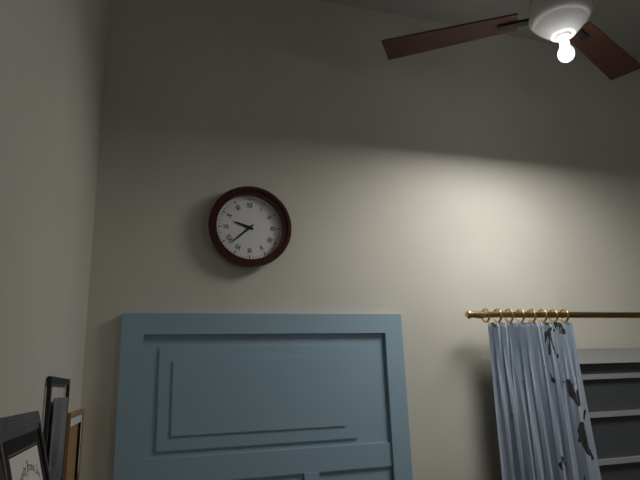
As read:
9,38
